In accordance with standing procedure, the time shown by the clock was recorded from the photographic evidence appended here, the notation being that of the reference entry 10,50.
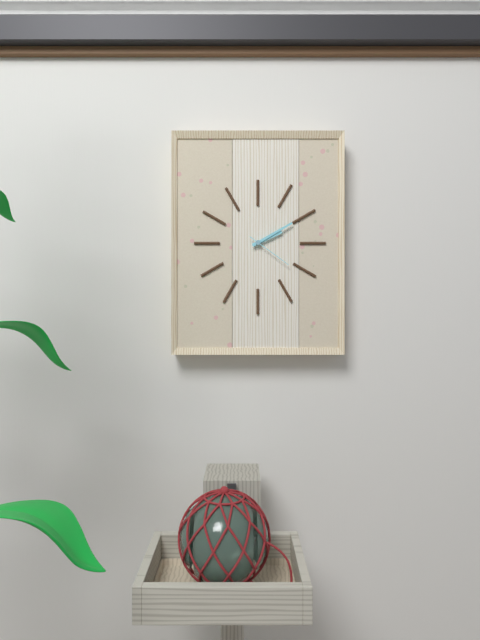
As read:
2,10
